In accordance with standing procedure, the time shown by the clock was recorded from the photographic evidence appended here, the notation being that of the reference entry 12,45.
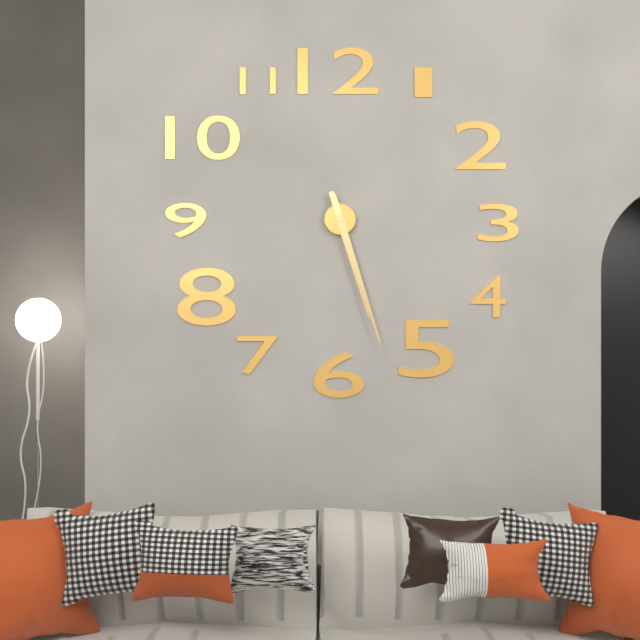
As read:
5,27
